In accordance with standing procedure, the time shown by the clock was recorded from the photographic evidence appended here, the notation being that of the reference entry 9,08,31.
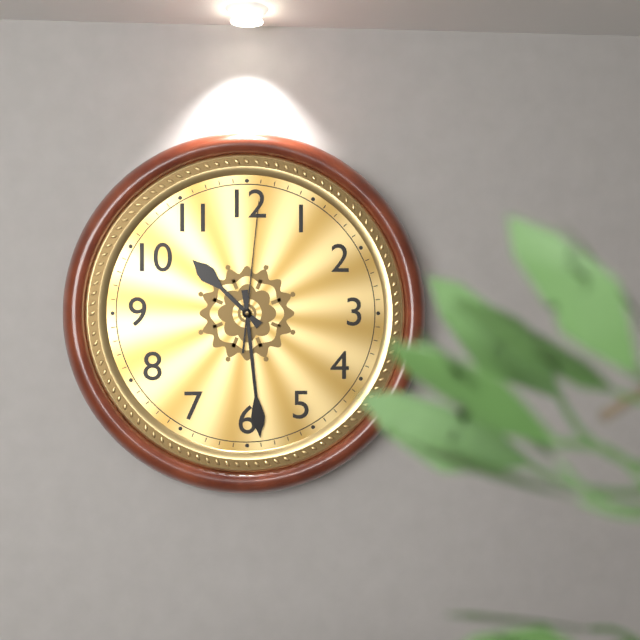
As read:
10,29,01
